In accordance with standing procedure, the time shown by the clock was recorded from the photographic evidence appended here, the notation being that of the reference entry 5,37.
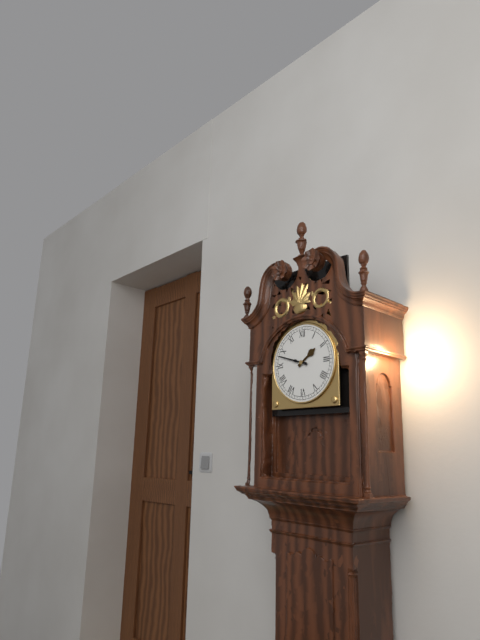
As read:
1,48
